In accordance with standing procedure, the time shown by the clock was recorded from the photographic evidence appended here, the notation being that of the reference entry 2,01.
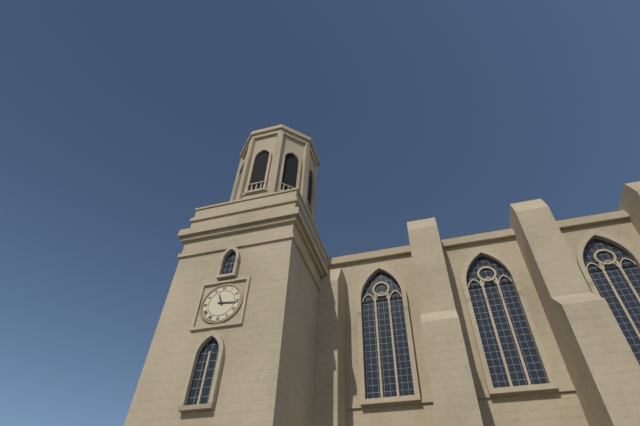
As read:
11,16
